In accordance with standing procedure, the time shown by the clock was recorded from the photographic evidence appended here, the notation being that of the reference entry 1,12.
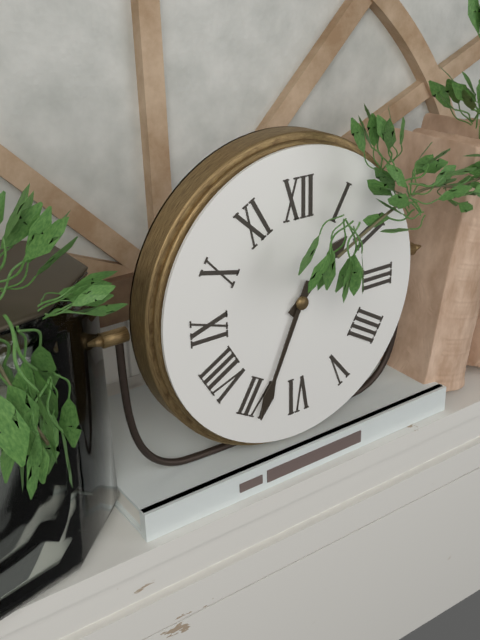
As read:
1,34
